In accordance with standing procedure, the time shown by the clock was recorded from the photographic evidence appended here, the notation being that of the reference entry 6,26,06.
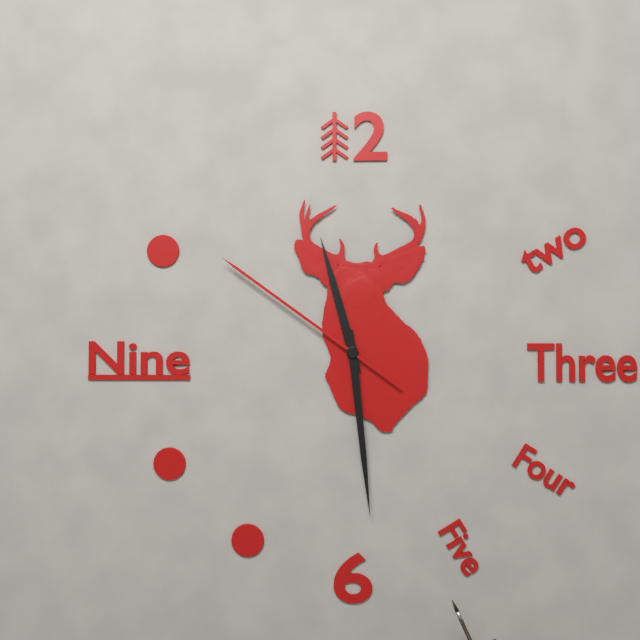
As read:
11,29,51
